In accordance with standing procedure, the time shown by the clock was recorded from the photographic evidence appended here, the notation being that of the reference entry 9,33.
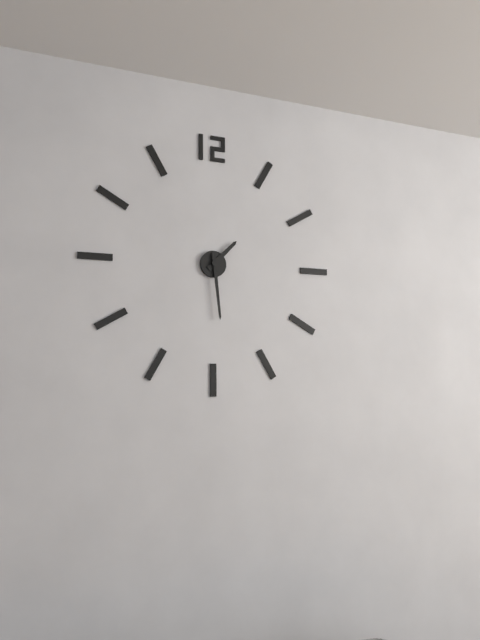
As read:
1,29
